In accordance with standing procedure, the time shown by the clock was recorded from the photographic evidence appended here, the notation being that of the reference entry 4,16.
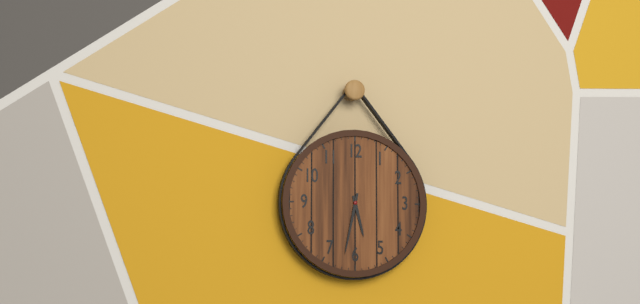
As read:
5,32
